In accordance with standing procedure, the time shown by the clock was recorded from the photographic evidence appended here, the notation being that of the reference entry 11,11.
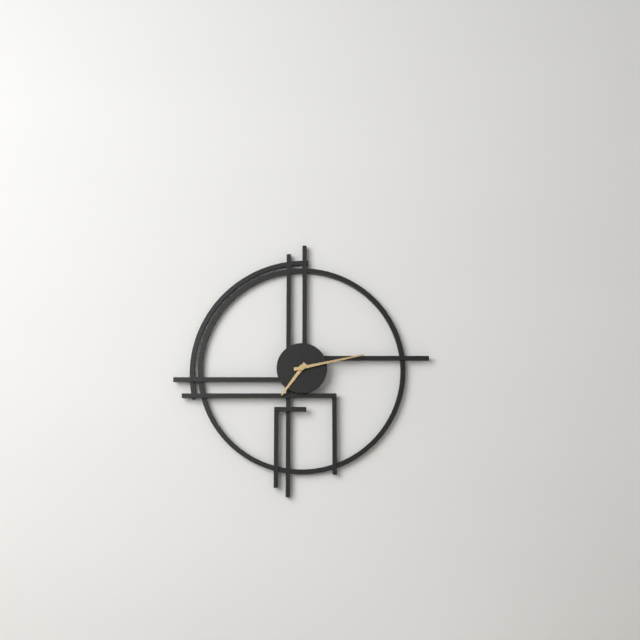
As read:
7,13
